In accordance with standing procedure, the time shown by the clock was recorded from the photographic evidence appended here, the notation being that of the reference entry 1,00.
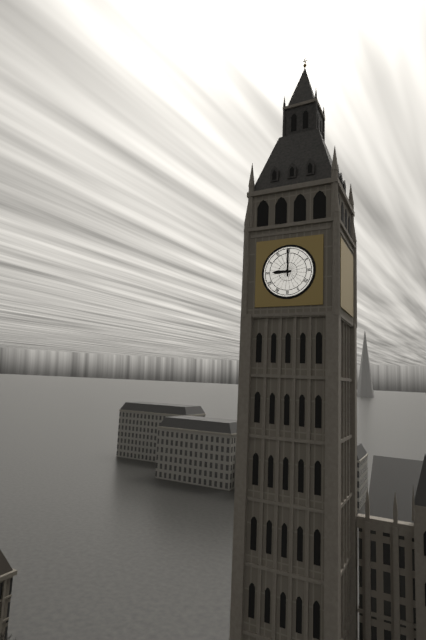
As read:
9,00
